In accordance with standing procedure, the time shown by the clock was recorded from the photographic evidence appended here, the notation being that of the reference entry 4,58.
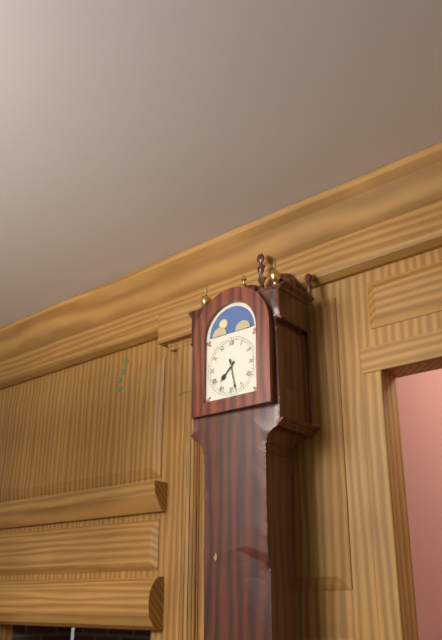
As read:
7,28
